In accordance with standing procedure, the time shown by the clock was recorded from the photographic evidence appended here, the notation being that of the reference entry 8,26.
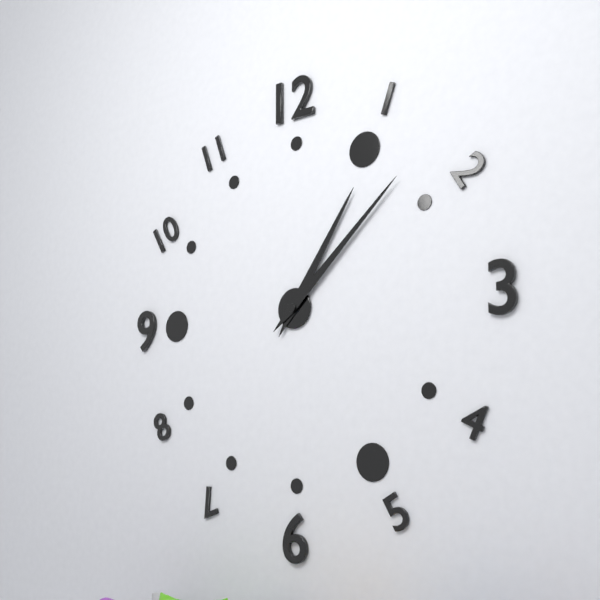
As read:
1,08
